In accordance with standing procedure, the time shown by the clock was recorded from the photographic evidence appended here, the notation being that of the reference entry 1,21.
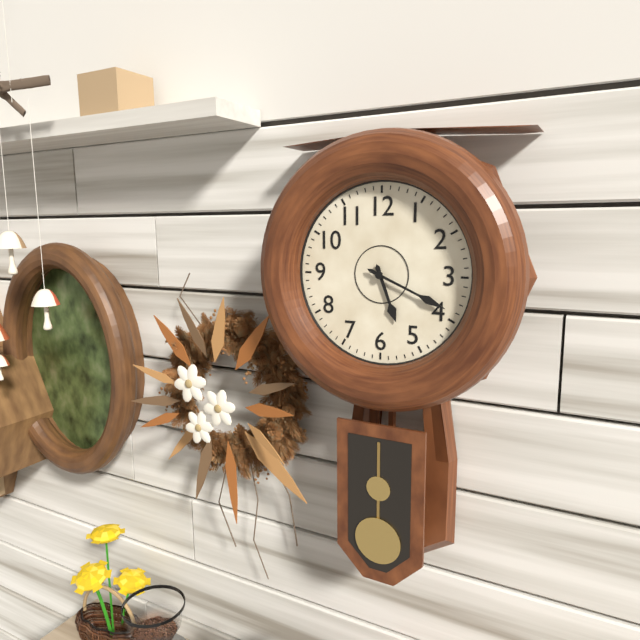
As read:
5,19
